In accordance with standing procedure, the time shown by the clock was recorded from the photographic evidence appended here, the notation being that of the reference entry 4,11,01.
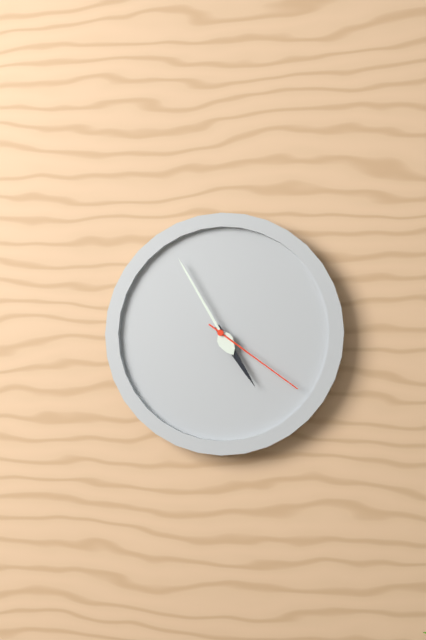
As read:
4,55,21
